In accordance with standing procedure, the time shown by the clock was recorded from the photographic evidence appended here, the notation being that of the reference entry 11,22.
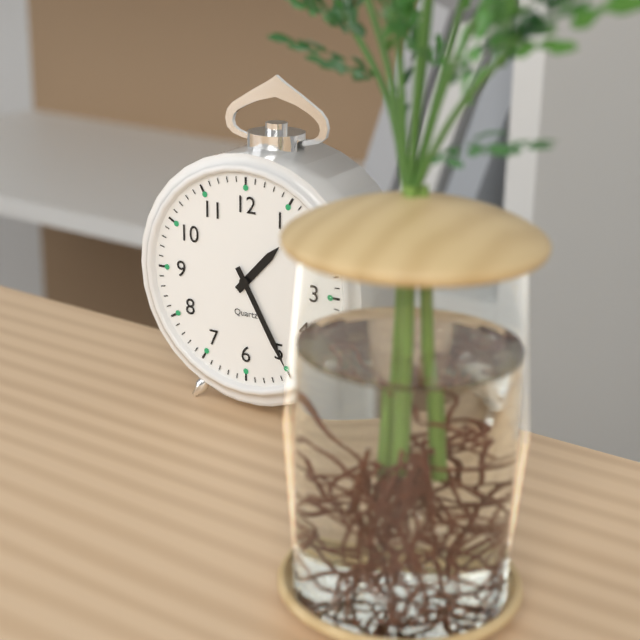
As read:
1,25
